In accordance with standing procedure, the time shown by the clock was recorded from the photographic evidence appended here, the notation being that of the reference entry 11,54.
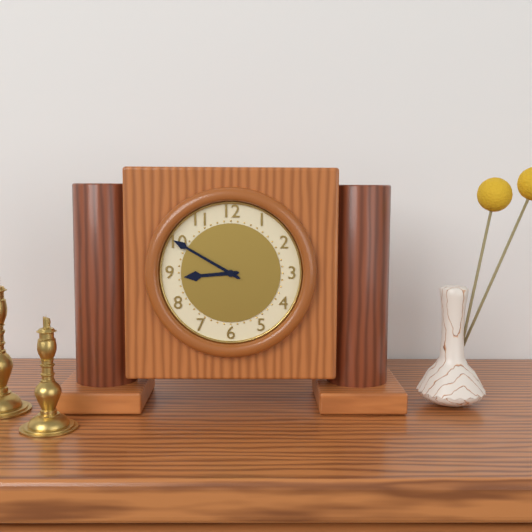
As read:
8,50
